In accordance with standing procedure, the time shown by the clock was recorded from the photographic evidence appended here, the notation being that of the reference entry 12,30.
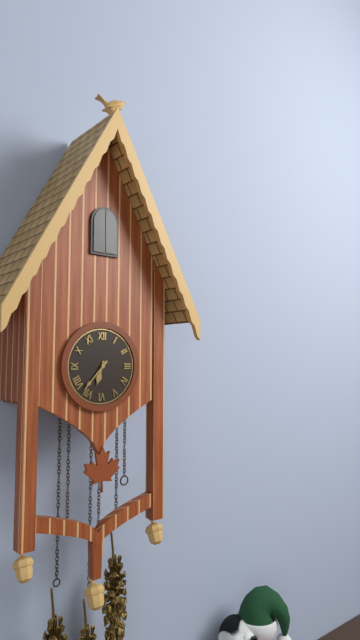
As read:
6,37
